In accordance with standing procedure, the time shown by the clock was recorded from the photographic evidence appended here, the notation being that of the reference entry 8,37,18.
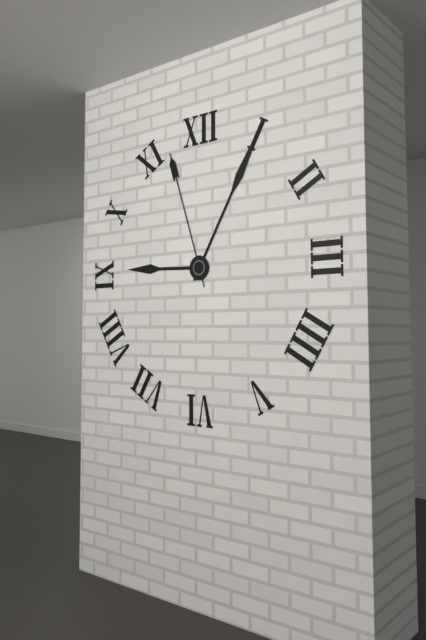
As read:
9,05,57
